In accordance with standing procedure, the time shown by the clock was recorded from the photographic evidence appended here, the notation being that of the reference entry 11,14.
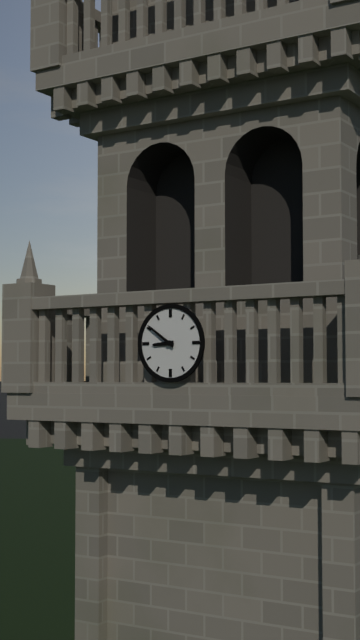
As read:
8,51
